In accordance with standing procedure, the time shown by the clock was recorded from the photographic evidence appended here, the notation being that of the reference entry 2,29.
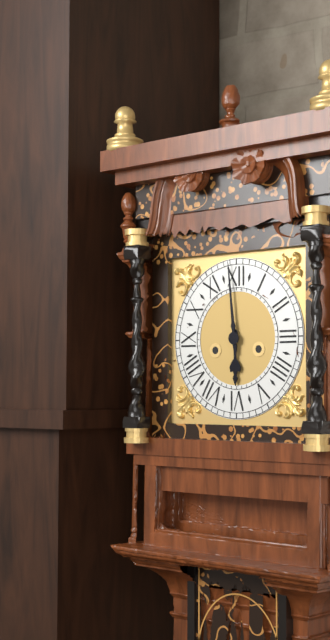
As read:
5,59
